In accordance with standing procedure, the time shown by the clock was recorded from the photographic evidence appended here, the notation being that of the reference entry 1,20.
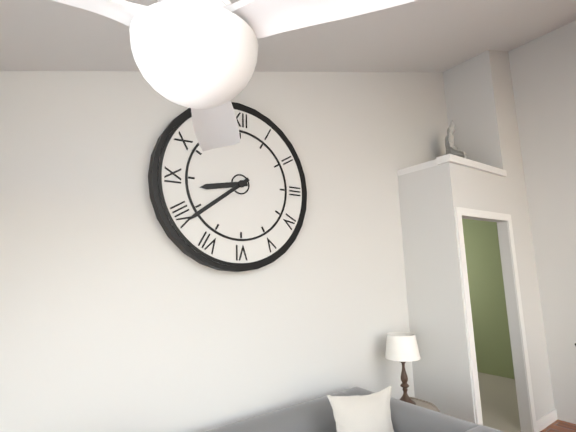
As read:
8,39
